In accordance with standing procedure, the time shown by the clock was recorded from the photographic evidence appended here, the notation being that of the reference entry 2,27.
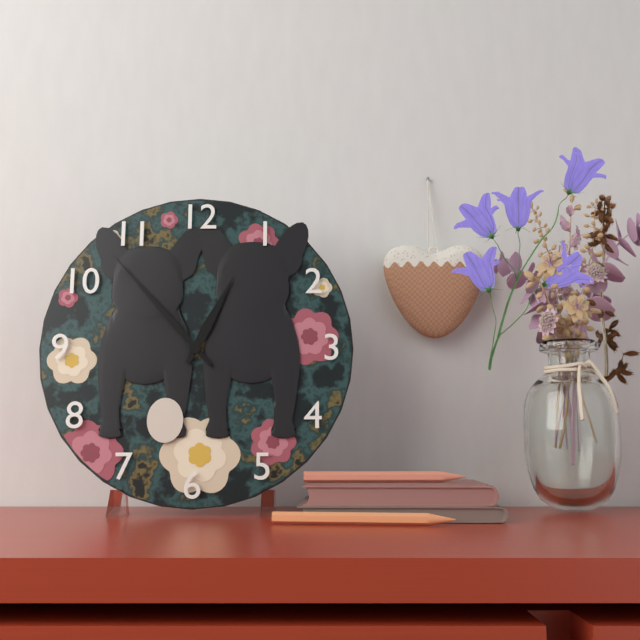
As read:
12,53
